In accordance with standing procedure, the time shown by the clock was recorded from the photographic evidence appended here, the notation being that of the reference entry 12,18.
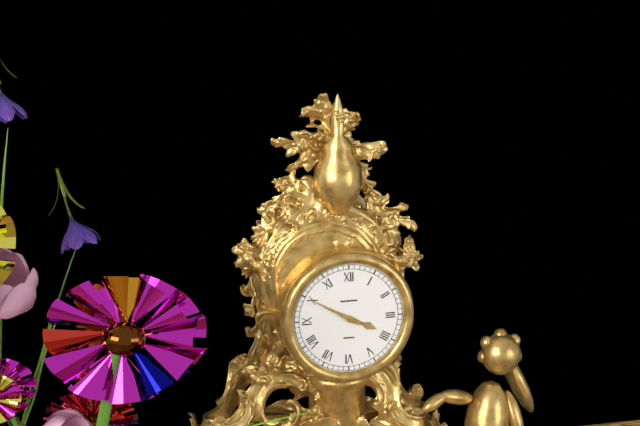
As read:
3,50
